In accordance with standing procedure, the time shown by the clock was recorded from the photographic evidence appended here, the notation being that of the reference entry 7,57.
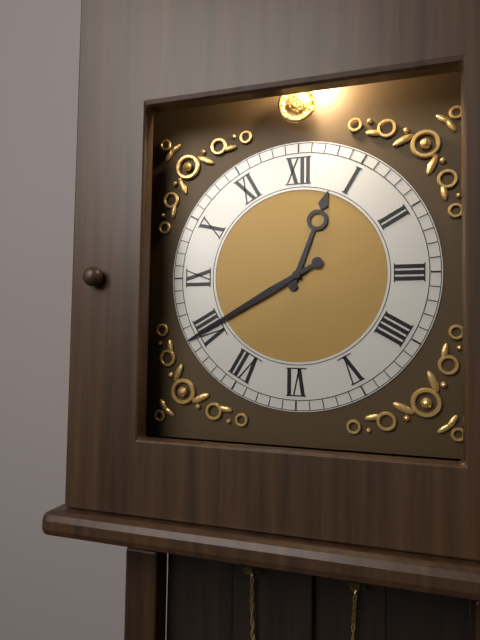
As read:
12,40
